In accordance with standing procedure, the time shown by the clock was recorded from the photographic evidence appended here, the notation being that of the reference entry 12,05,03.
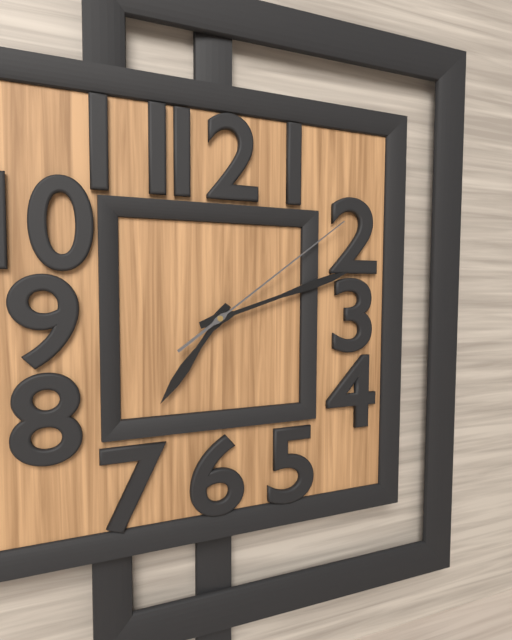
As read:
7,12,09
